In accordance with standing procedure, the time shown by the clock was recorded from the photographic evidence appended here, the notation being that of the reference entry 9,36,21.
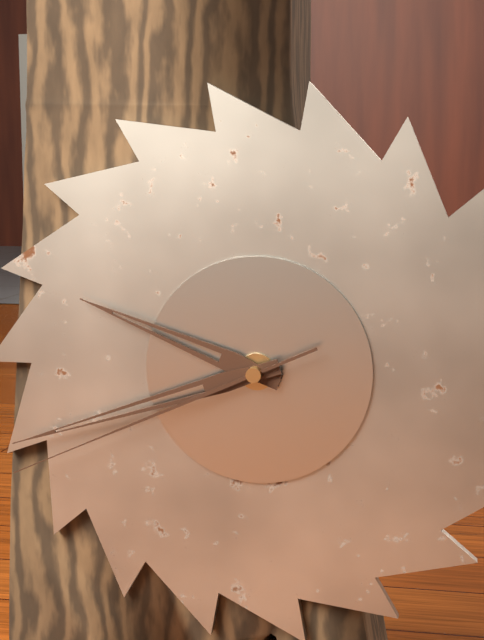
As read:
9,42,41
